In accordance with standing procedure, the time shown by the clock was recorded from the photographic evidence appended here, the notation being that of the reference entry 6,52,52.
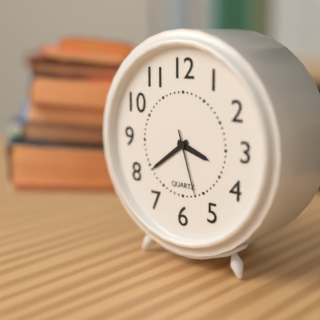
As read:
3,39,27
